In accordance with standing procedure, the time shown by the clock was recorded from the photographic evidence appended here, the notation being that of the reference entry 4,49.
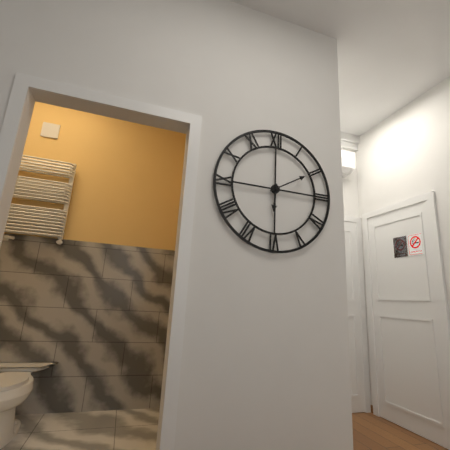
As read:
6,10
